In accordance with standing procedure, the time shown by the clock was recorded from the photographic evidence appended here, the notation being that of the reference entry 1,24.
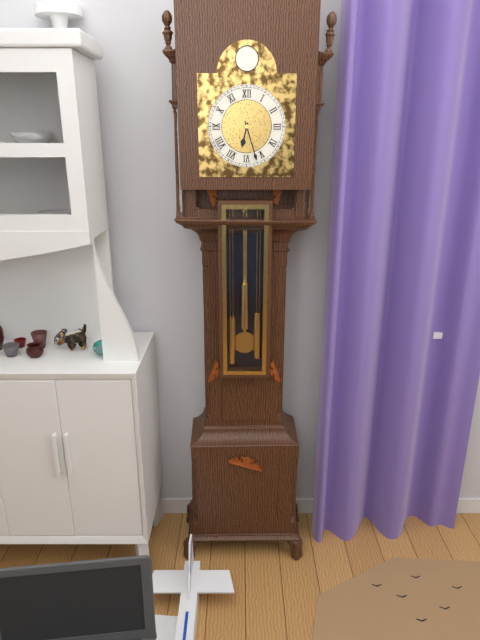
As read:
6,27
